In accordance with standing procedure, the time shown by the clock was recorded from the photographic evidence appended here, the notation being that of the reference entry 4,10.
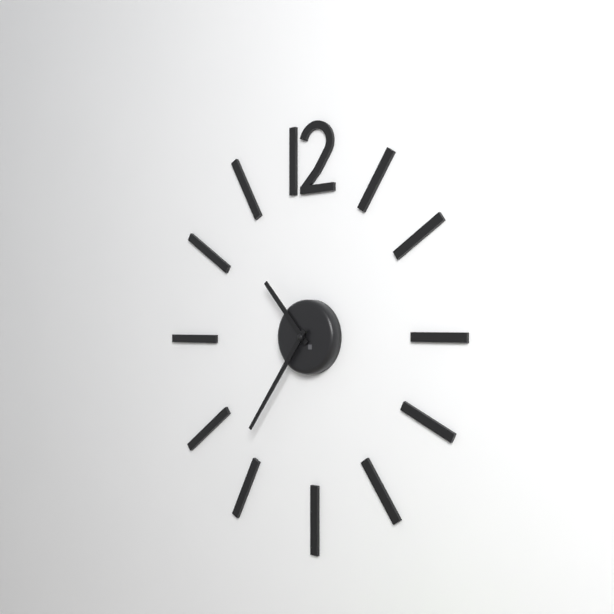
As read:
10,36
